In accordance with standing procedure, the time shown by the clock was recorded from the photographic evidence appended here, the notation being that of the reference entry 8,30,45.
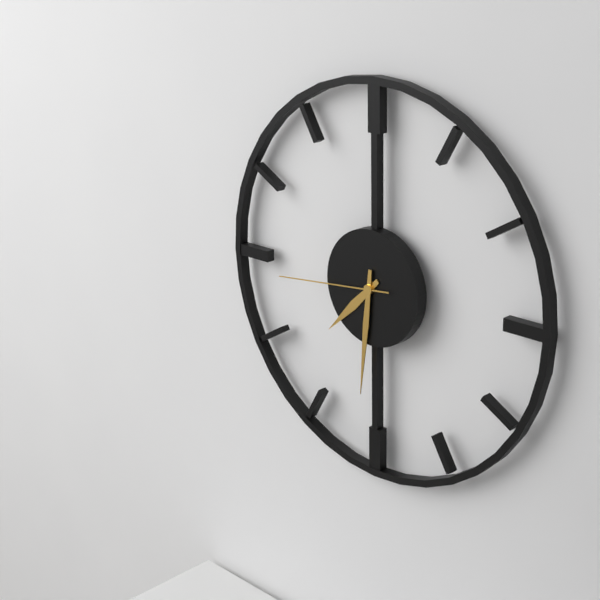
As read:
7,31,44
